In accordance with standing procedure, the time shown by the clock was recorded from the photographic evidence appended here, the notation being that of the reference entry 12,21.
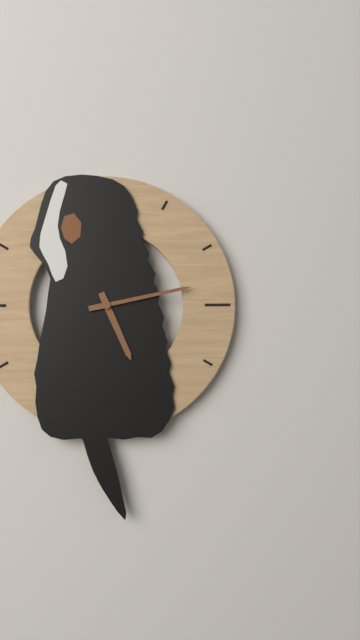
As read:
5,13
